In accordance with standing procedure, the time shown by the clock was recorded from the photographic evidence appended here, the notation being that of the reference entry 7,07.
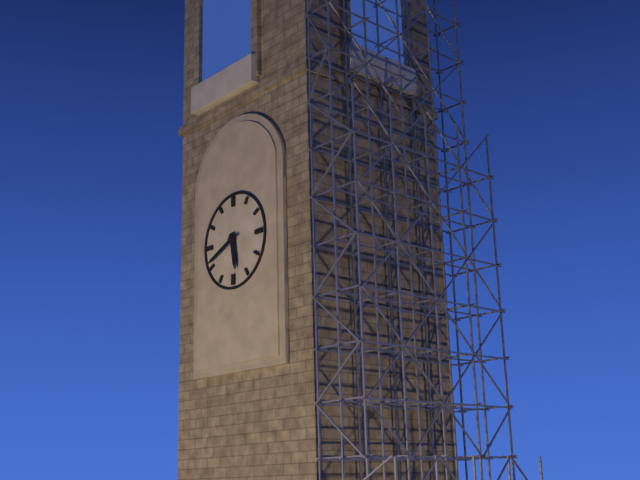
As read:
5,41
